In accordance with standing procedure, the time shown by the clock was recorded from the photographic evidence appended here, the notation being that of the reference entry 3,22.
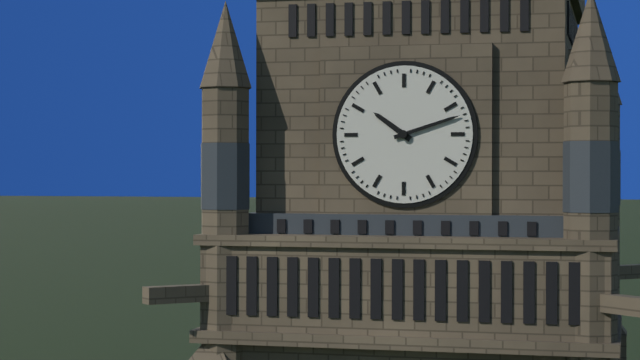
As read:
10,12
